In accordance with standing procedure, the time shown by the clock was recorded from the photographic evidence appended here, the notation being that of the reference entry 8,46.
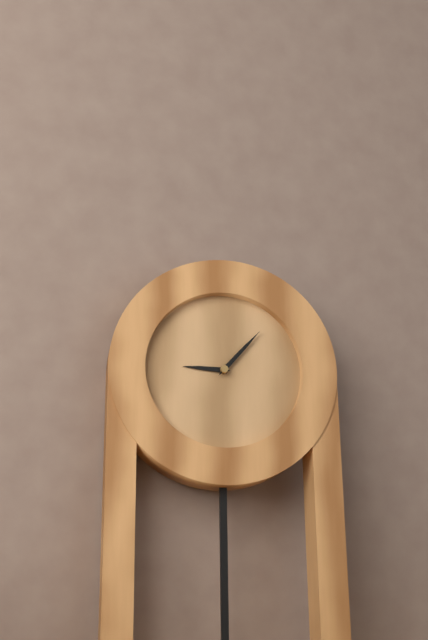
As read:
9,07
